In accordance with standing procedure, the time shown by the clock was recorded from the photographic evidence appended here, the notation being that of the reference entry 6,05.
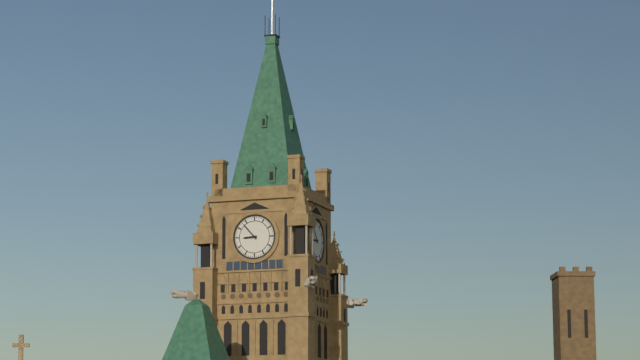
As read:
8,53
